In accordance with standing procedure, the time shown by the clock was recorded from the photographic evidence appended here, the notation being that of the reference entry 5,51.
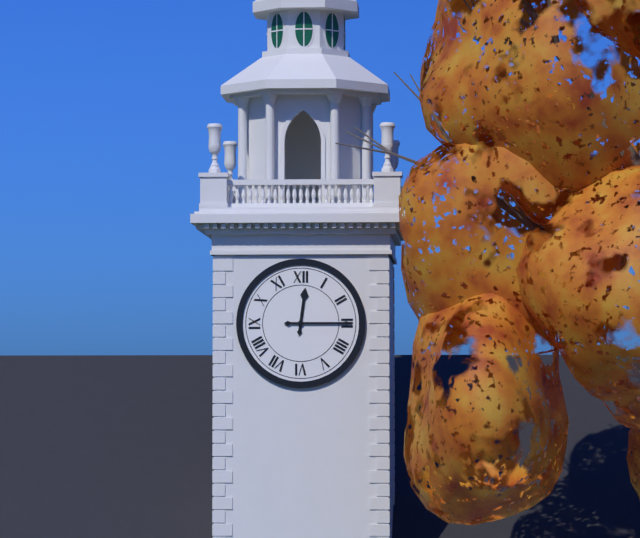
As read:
12,15
